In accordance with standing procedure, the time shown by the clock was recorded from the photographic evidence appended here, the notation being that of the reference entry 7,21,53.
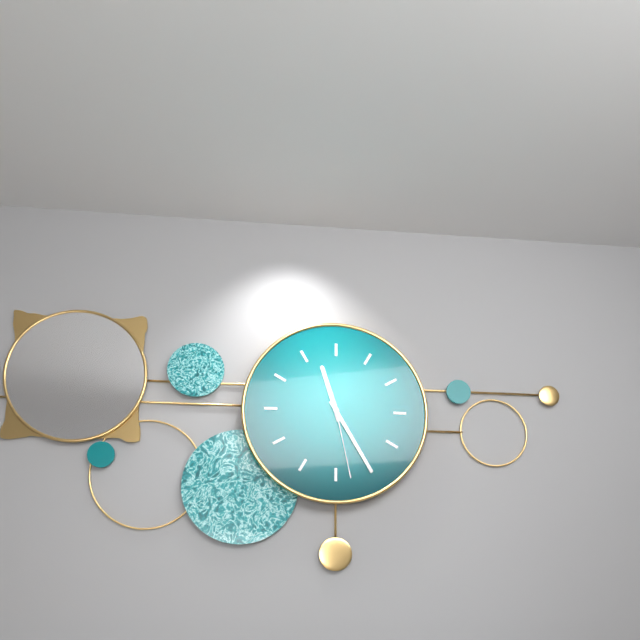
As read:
11,25,28
